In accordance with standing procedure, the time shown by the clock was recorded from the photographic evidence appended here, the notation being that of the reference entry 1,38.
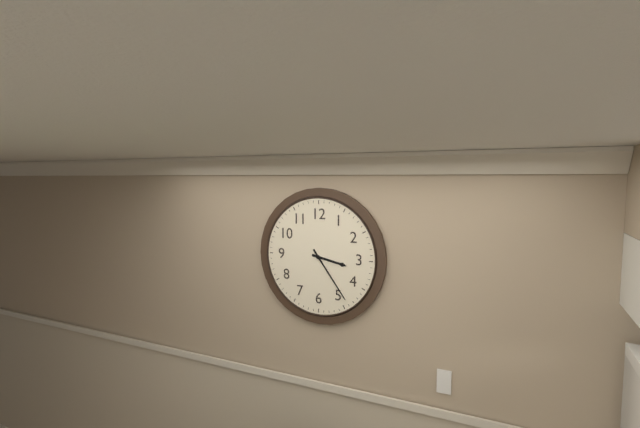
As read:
3,24
